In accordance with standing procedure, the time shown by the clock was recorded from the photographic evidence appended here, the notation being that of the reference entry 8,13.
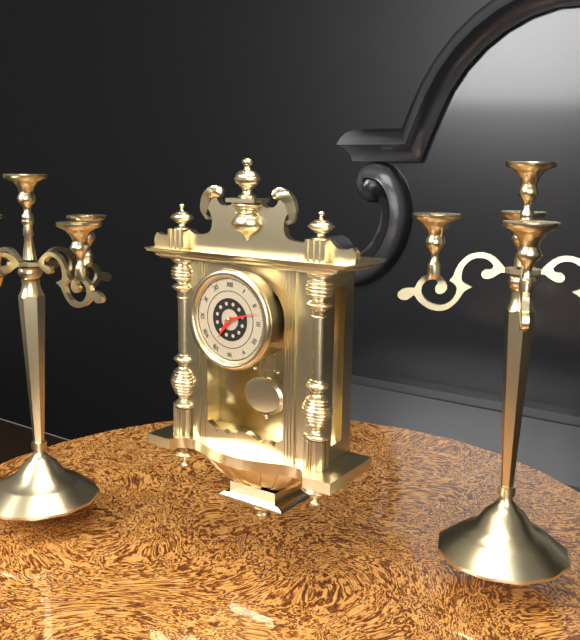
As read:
7,12
